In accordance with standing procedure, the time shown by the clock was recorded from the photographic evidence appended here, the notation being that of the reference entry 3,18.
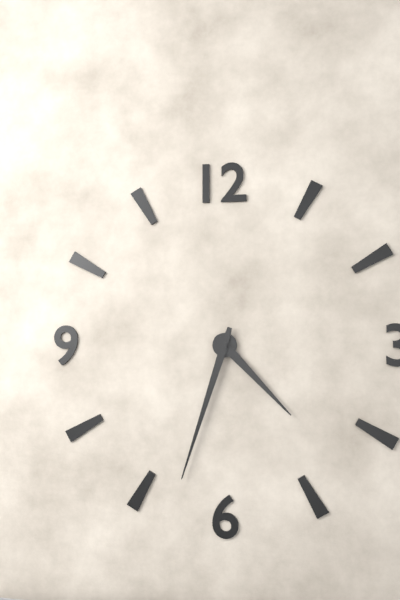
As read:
4,33
